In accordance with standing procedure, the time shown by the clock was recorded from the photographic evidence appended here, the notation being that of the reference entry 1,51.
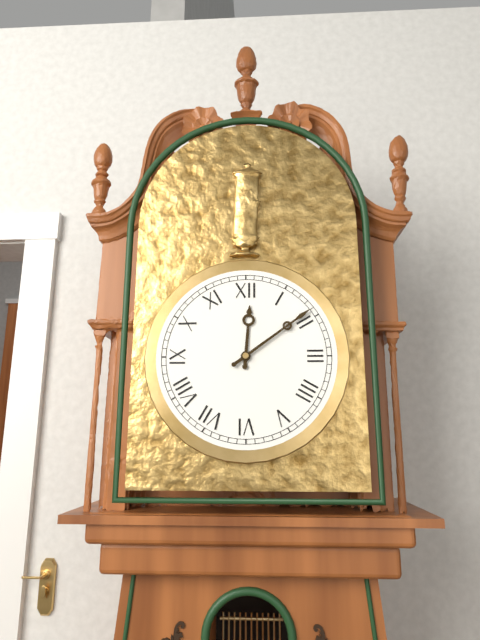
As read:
12,09
